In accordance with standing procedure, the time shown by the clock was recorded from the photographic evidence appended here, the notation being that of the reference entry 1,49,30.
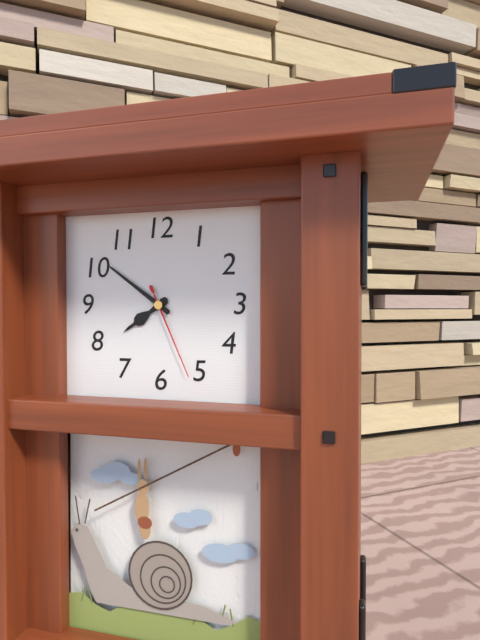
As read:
7,51,26
